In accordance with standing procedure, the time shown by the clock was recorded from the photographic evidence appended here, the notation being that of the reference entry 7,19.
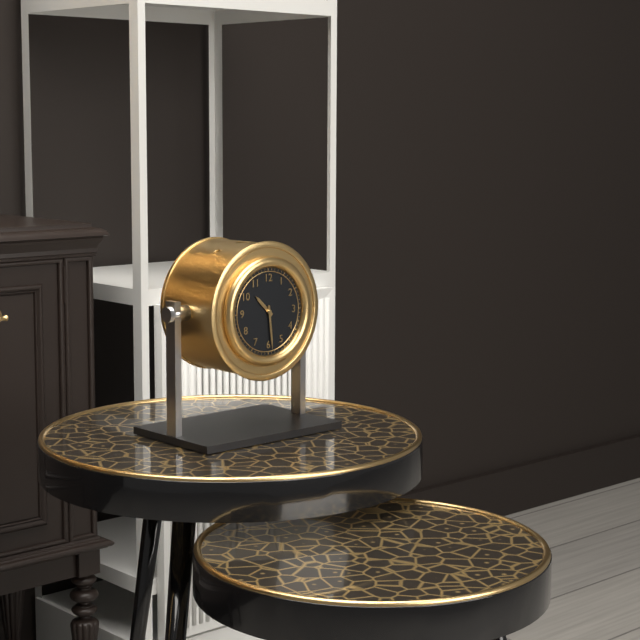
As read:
10,29
